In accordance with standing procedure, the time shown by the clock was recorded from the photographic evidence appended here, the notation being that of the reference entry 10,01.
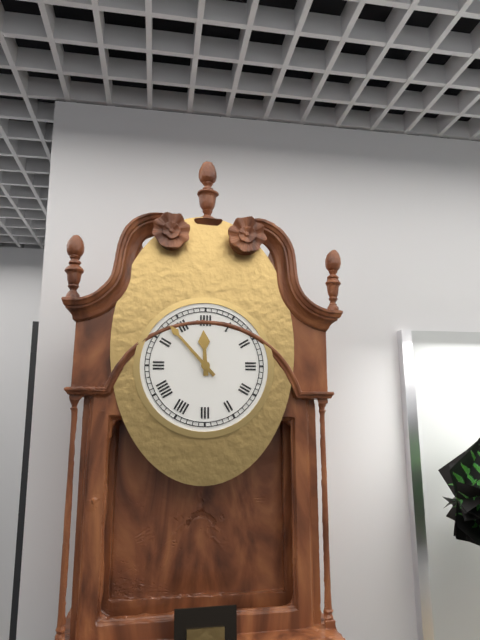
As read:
11,53
